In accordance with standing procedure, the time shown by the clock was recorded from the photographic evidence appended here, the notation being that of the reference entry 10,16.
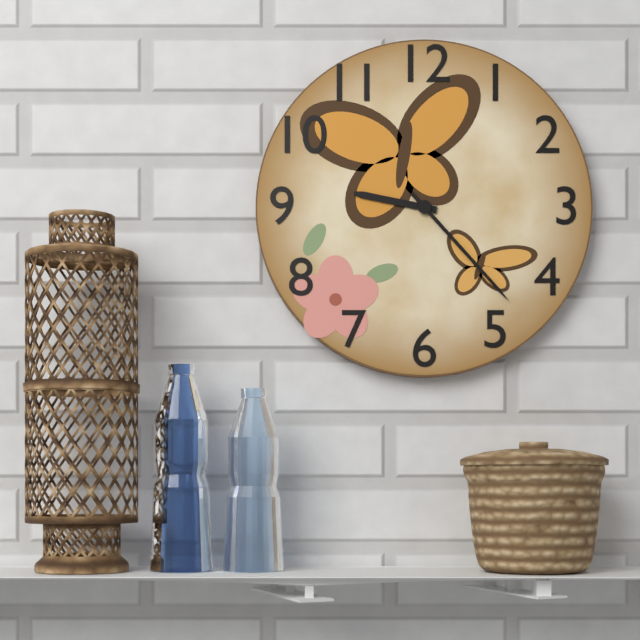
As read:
9,23
